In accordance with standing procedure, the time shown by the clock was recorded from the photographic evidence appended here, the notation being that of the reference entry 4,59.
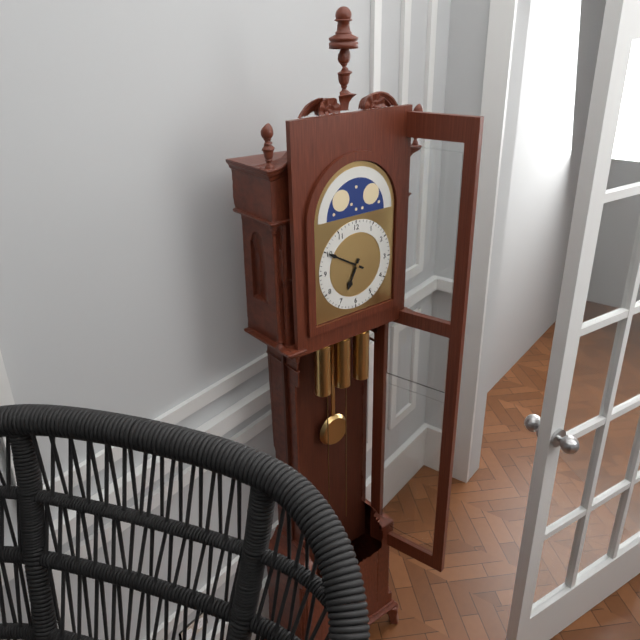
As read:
6,50
